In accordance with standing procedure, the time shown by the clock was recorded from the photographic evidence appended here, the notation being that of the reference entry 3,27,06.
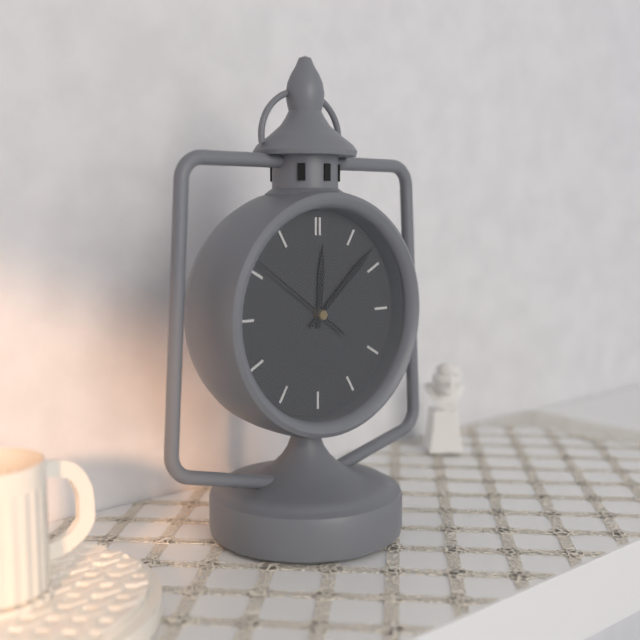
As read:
12,08,51
